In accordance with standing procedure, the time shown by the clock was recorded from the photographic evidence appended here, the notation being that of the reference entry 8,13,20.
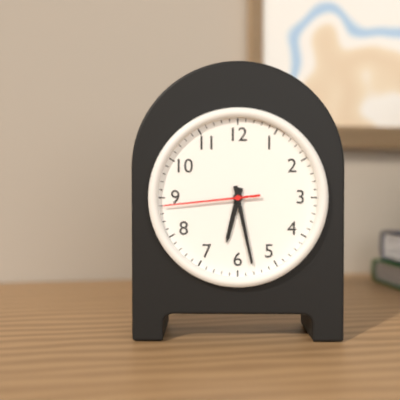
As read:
6,28,44
